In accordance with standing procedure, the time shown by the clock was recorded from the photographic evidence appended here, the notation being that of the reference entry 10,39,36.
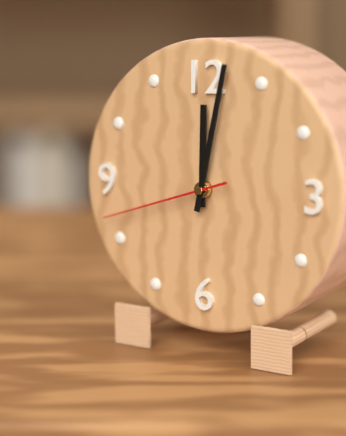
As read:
12,02,42
